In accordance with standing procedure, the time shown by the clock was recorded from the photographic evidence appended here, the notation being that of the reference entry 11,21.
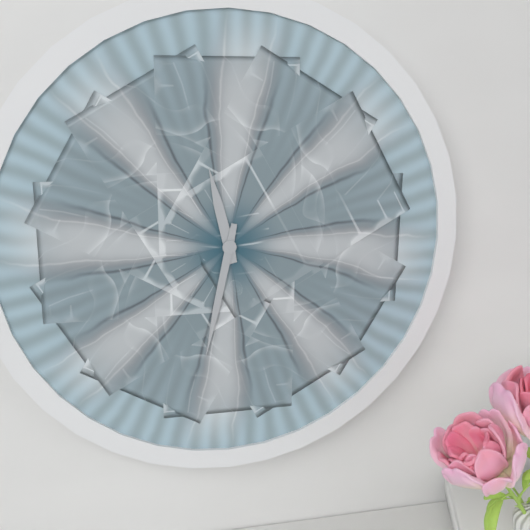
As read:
11,32
